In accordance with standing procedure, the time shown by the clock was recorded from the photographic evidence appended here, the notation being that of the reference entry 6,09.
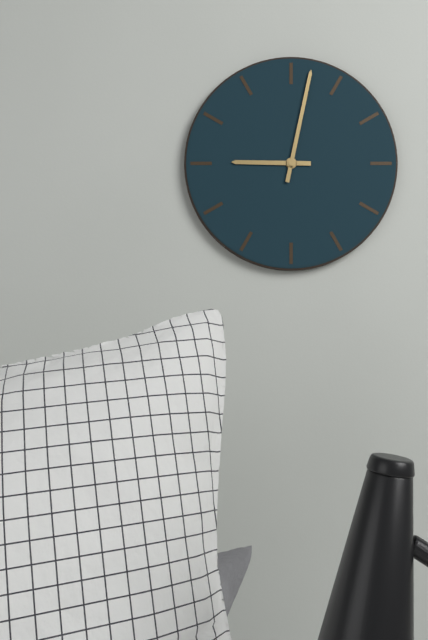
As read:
9,02
